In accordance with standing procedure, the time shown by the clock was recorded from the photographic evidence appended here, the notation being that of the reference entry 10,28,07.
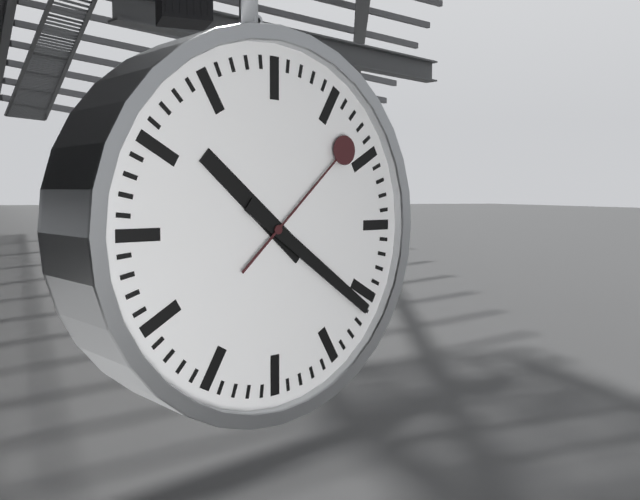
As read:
10,21,08
